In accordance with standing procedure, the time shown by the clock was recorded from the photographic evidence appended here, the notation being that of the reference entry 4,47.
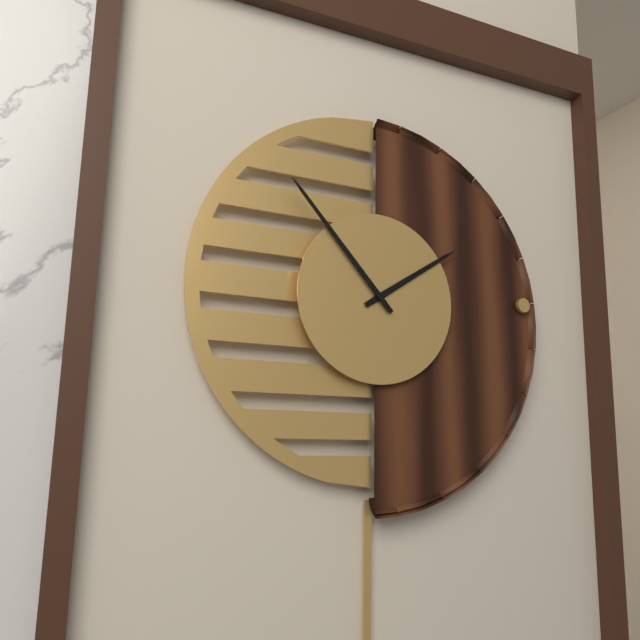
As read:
1,53
